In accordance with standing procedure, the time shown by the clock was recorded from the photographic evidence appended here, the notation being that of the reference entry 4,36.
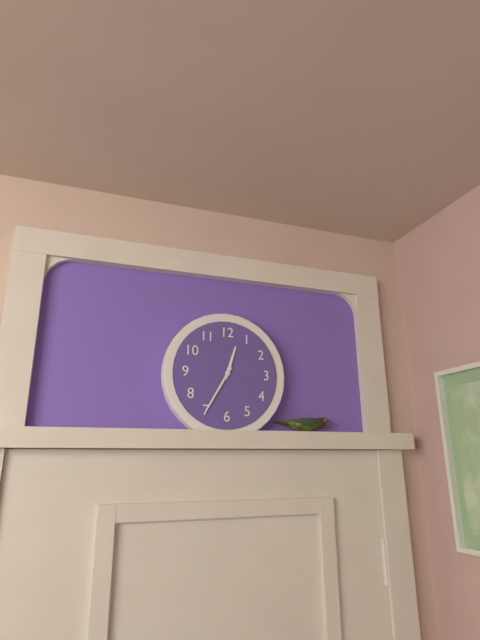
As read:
12,35
